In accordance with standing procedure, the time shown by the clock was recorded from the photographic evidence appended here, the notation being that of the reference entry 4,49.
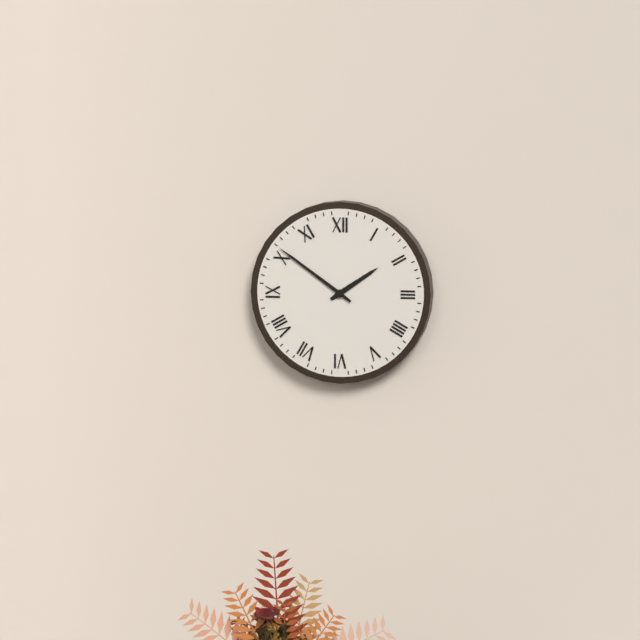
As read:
1,51
